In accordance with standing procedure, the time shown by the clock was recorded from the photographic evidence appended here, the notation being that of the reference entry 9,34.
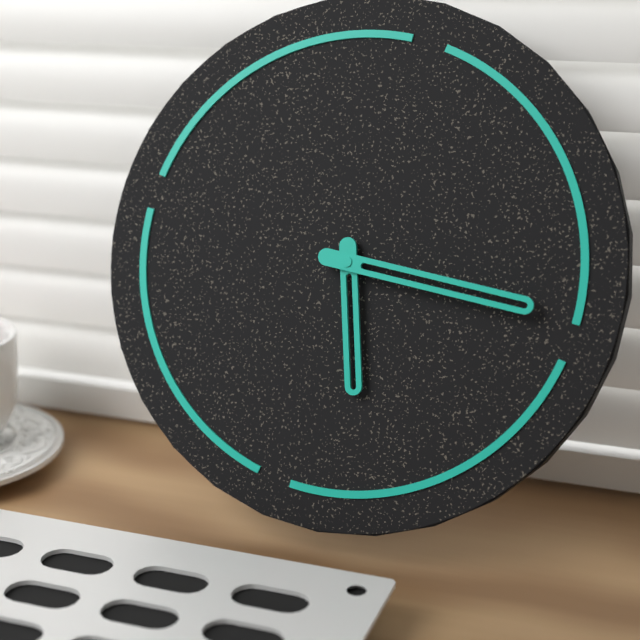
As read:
5,14
